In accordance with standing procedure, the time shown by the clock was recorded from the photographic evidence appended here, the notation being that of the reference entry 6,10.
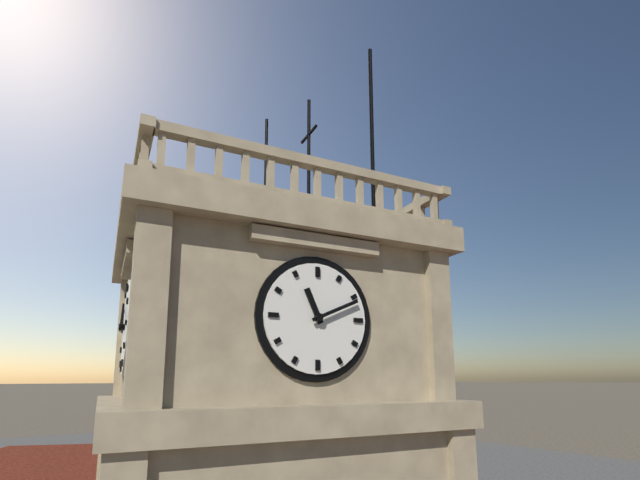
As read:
11,11
